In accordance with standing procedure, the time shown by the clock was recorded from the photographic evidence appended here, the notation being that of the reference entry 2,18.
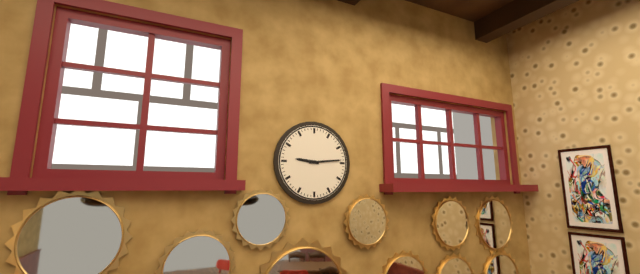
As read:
9,14
